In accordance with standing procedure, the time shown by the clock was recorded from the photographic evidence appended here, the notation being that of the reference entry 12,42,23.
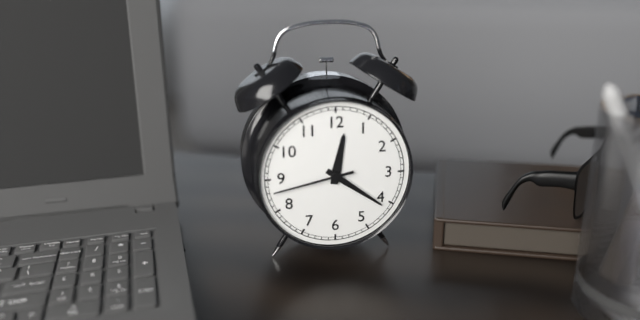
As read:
12,21,43
